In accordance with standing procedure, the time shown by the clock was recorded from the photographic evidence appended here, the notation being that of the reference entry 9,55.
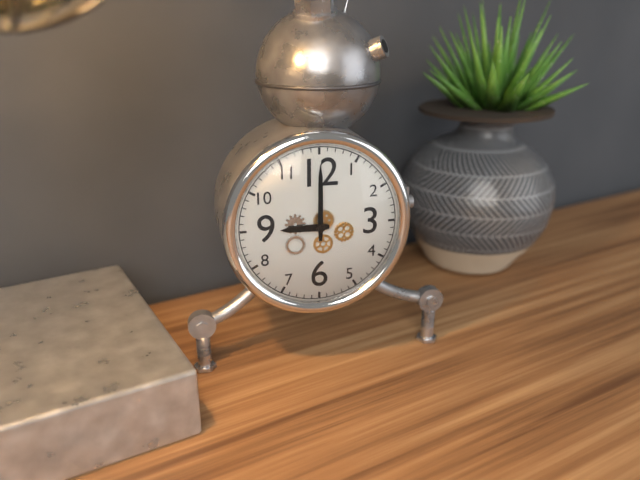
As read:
9,00
